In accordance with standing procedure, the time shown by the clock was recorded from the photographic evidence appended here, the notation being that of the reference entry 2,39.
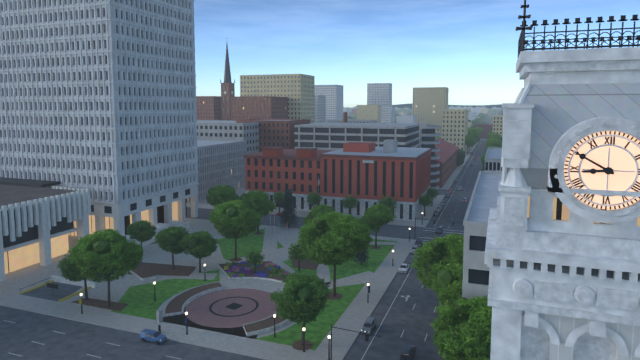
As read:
8,50
